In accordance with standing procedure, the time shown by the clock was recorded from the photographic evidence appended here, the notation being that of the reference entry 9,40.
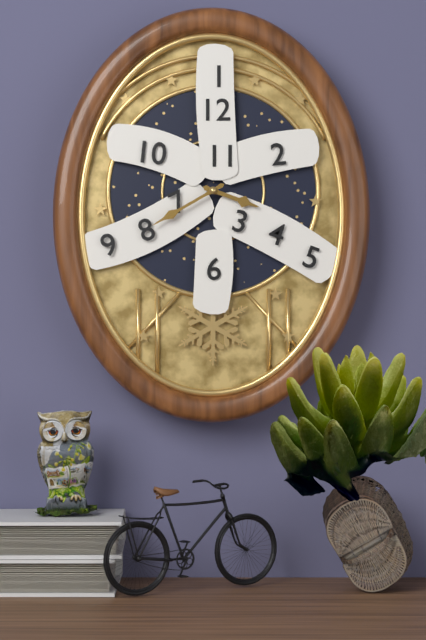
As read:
3,40
